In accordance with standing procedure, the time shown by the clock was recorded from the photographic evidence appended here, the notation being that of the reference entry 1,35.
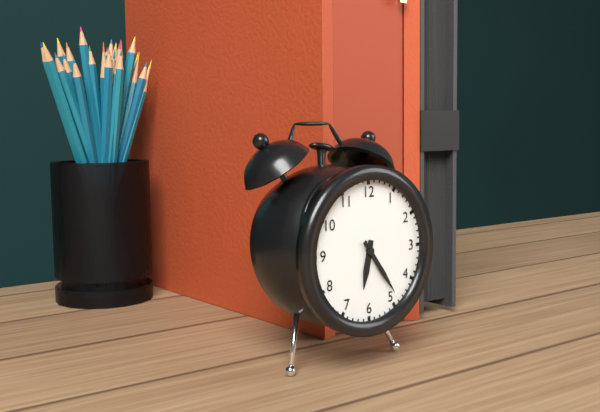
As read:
6,24
